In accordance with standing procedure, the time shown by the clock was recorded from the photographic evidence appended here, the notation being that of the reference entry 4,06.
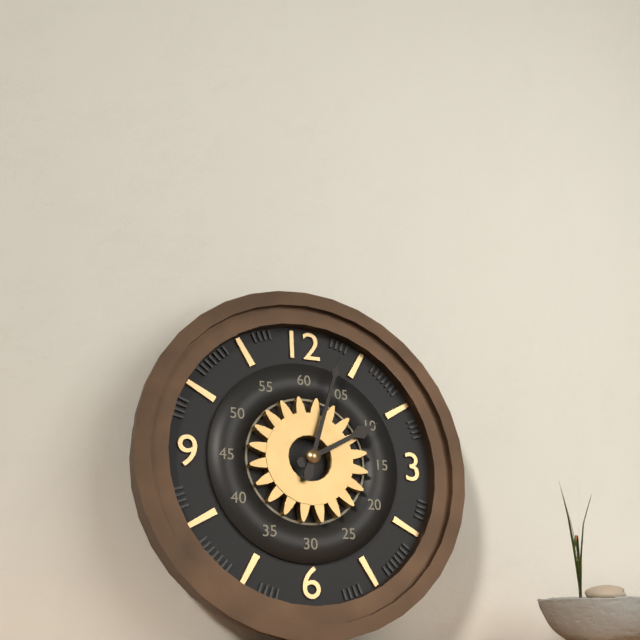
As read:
2,03
